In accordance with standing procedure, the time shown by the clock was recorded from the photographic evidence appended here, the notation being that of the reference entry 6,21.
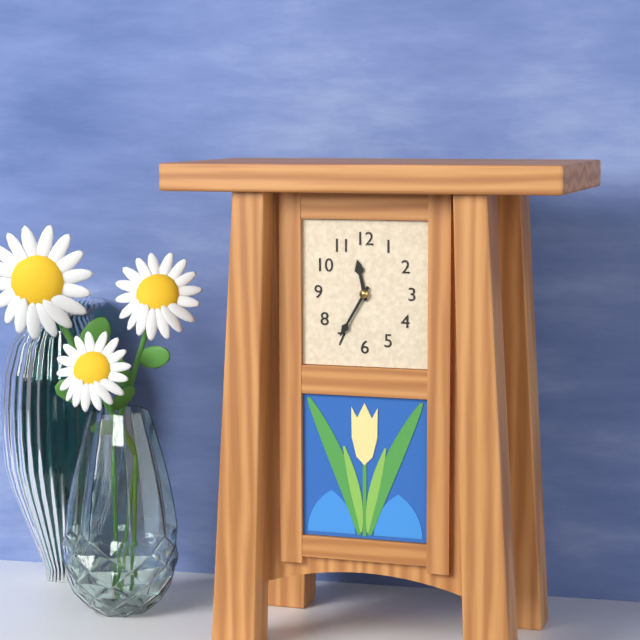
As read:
11,35
